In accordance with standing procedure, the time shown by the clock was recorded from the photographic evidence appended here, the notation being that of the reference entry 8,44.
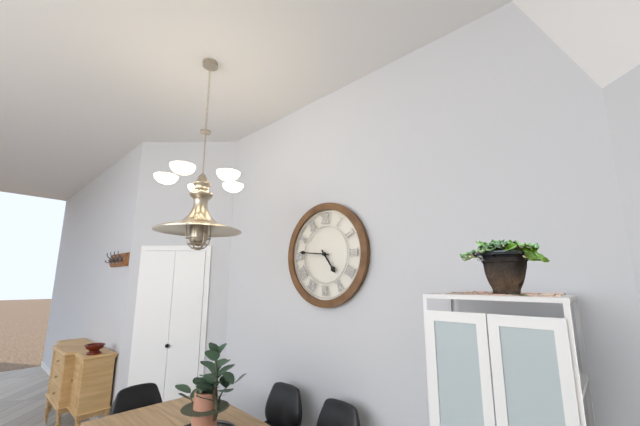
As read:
4,46
